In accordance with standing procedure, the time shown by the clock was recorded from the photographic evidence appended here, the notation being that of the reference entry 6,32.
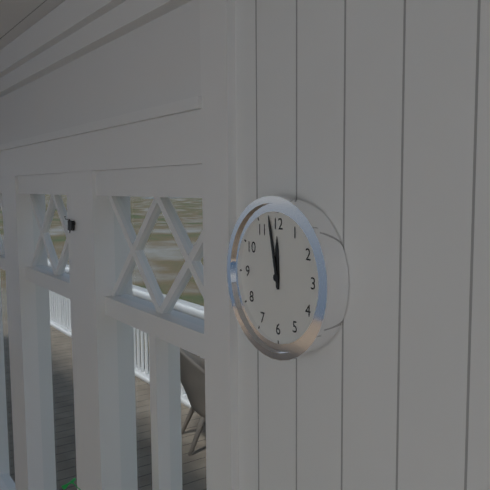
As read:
11,58
